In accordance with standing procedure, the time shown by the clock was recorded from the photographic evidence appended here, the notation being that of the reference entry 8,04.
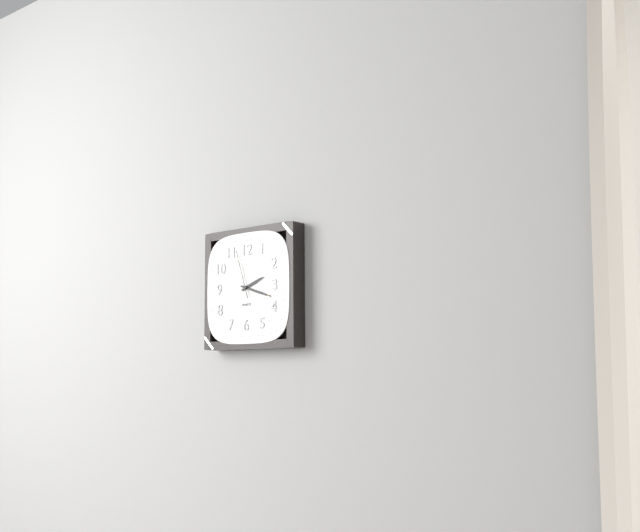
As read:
2,18
